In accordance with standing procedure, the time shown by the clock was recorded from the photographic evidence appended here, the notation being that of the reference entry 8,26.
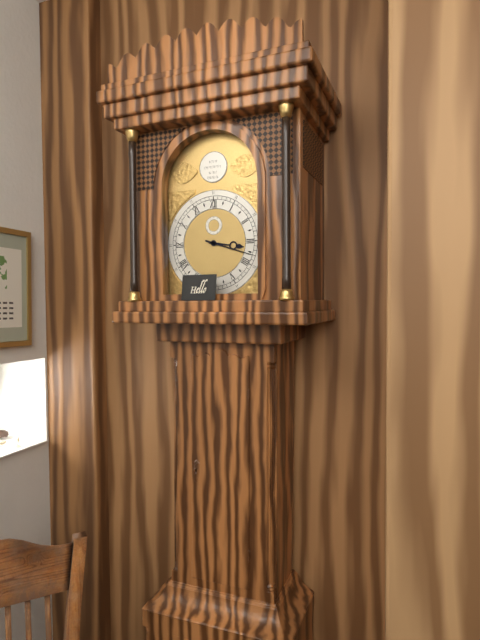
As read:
3,18
